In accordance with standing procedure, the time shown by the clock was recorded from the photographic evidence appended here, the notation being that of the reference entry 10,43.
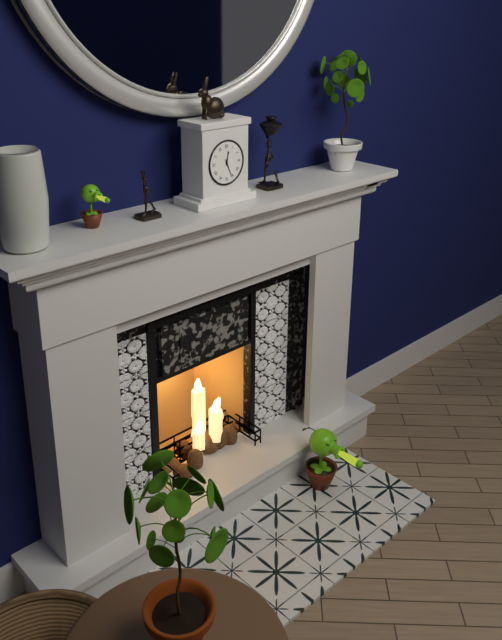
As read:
12,26
